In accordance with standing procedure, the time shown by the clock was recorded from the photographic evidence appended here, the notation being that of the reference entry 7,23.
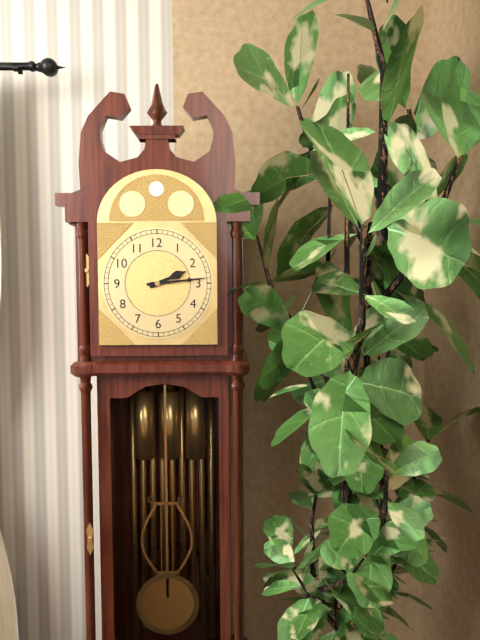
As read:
2,14
